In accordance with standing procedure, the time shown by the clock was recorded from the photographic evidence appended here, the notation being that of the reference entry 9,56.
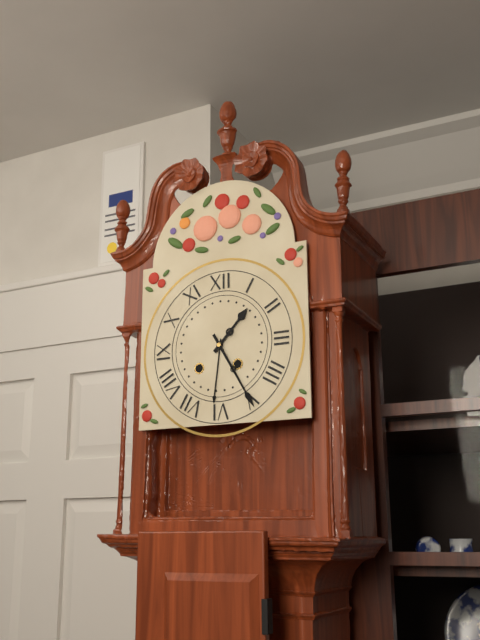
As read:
1,25
